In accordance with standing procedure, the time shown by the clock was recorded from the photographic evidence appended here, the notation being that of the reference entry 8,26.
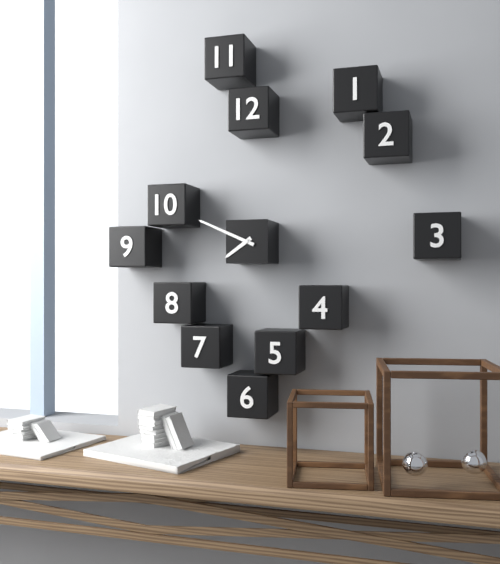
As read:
7,49
